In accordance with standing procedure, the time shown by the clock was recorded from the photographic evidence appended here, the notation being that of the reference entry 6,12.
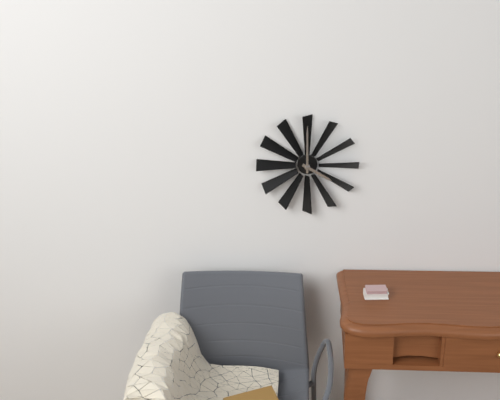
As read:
4,00
